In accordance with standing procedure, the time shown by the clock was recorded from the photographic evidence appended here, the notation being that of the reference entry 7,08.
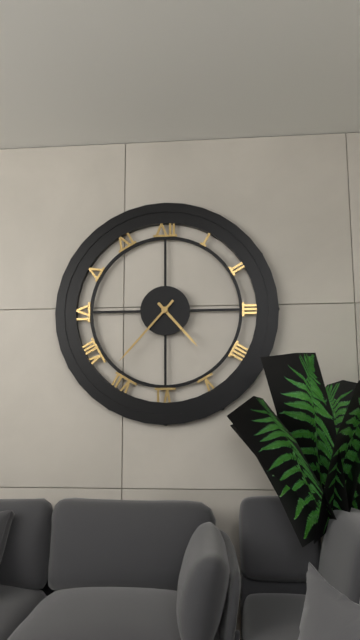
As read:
4,37
